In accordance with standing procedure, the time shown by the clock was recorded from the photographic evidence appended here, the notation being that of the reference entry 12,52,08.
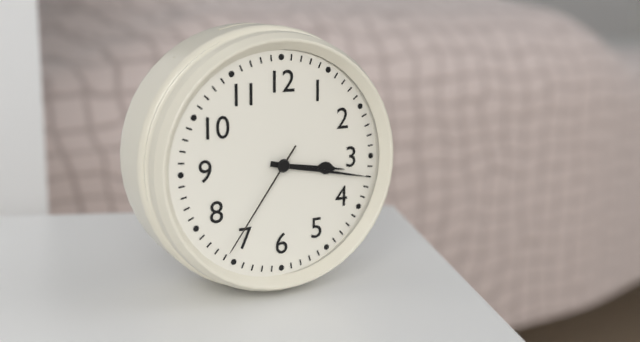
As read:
3,17,36
